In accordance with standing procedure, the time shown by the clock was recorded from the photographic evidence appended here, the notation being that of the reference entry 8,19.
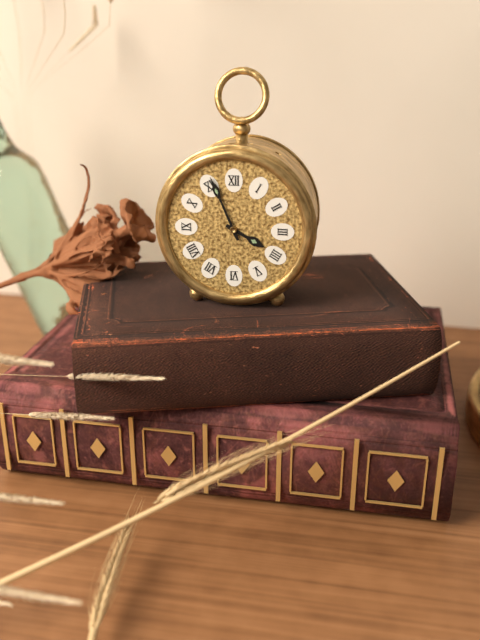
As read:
3,56
